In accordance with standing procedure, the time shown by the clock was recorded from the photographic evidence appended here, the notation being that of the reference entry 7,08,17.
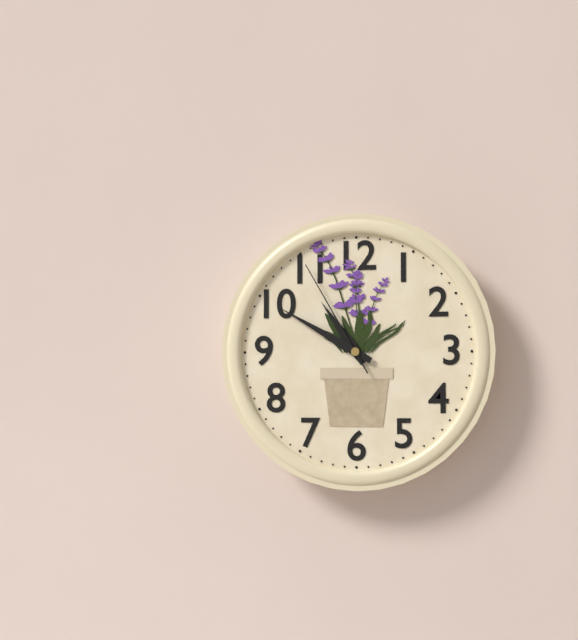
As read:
10,50,55
